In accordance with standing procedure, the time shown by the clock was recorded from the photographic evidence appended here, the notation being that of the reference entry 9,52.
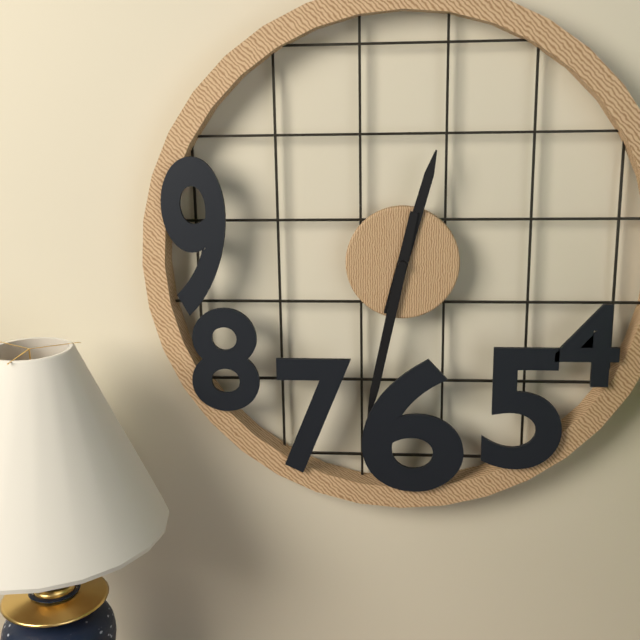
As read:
12,32
